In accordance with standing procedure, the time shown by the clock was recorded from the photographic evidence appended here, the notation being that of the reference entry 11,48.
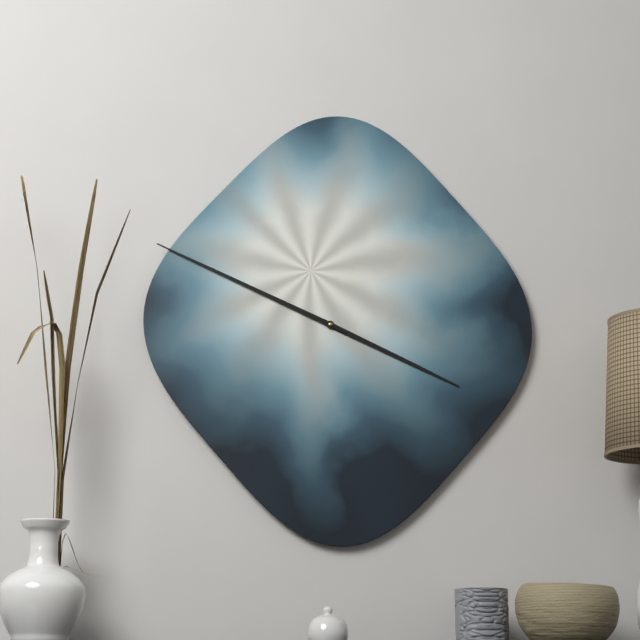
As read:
3,49
